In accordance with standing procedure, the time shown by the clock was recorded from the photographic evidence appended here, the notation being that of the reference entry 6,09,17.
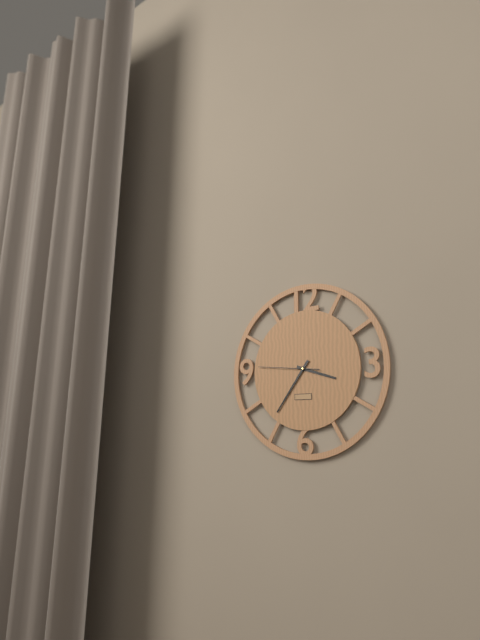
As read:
3,36,46
